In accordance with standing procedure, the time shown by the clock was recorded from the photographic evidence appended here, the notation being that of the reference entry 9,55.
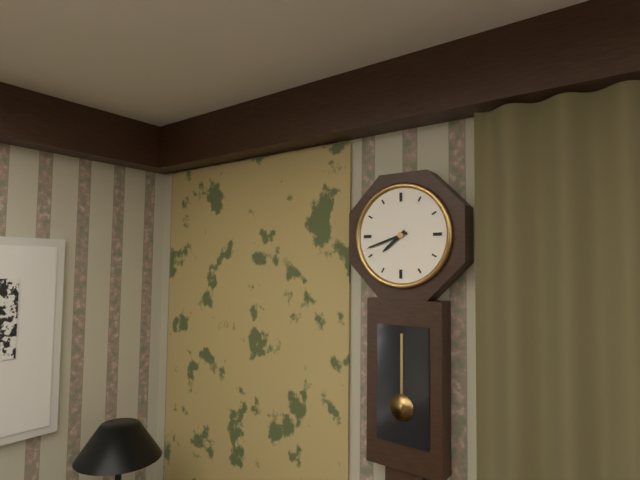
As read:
7,42
